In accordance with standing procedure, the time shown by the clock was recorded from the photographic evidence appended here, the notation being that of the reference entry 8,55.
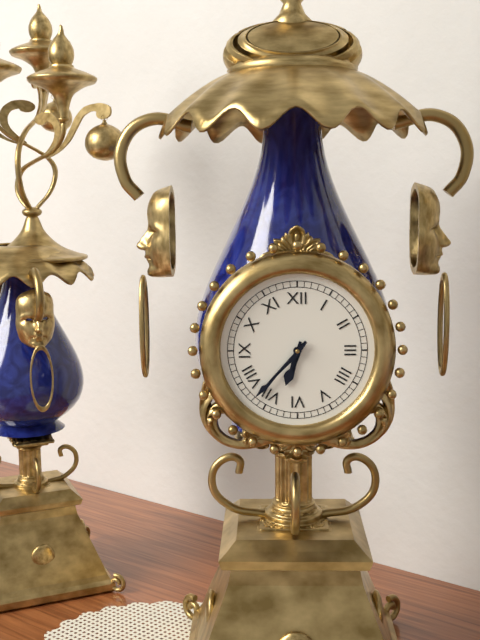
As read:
6,37
